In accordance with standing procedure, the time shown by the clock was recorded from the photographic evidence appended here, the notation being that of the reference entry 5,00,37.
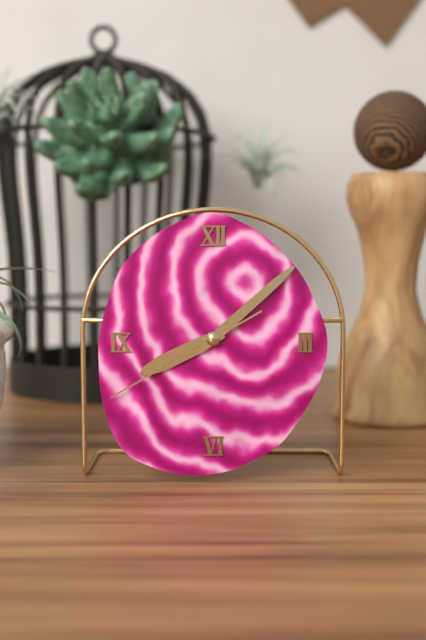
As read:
8,08,40
